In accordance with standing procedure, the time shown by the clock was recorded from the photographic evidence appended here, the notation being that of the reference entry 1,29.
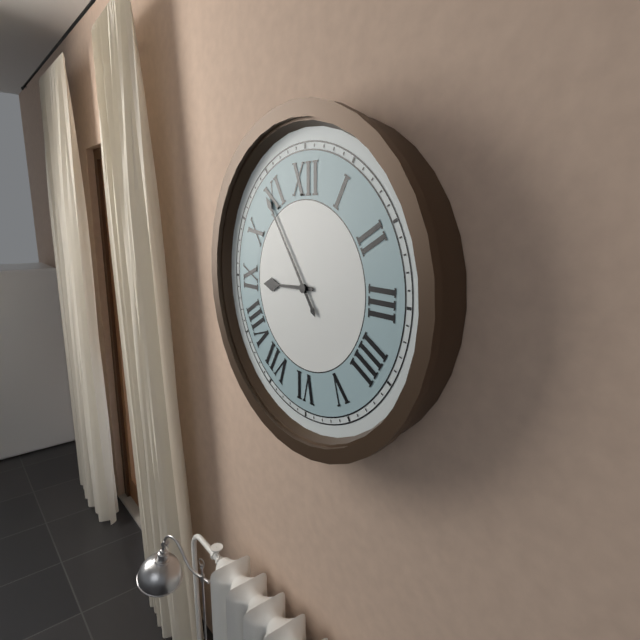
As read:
8,54
